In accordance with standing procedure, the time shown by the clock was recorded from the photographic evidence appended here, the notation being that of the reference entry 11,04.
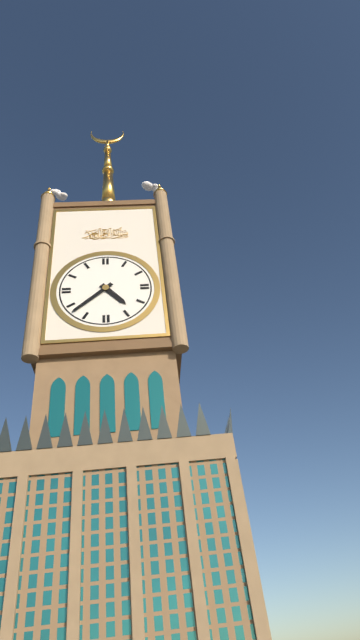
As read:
4,38
